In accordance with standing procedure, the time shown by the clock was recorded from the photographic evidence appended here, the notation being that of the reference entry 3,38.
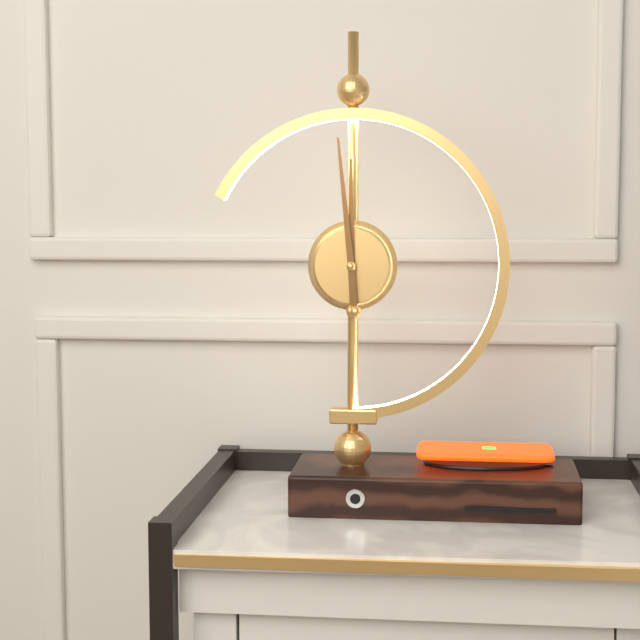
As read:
11,59
